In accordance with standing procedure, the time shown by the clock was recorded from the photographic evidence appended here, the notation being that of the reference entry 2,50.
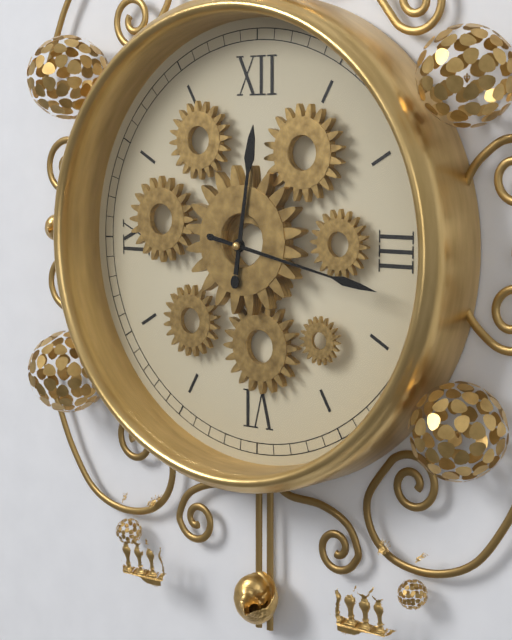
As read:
12,17
